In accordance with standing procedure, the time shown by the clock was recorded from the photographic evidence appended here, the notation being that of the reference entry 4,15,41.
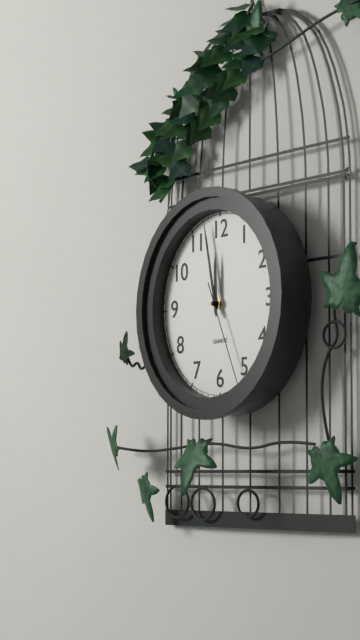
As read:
11,58,26
